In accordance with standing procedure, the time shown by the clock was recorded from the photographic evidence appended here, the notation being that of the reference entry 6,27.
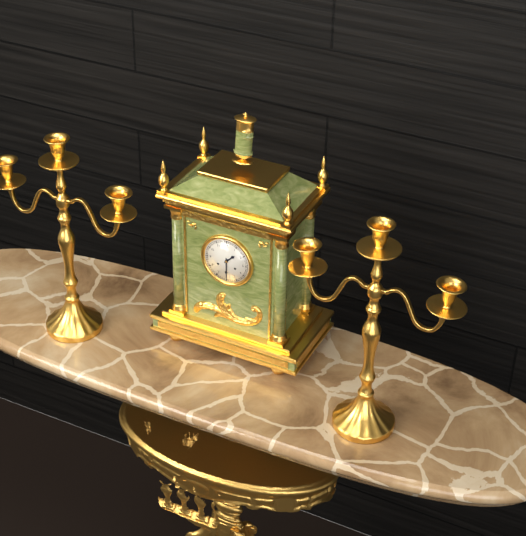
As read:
1,30
